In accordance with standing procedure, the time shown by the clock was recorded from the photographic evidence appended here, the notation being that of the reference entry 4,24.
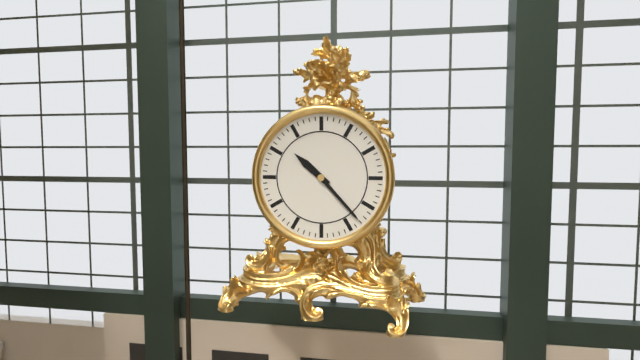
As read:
10,23
